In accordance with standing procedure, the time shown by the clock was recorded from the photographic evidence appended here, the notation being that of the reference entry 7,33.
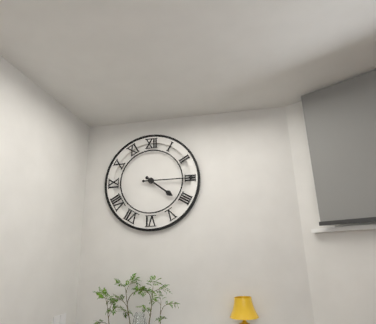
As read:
4,15
